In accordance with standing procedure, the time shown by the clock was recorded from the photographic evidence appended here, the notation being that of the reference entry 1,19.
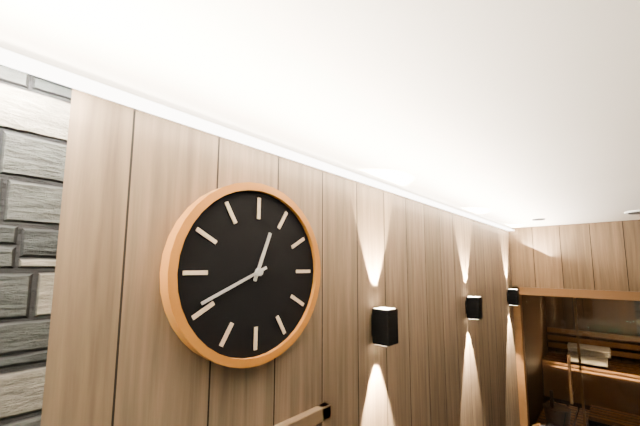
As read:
12,41
